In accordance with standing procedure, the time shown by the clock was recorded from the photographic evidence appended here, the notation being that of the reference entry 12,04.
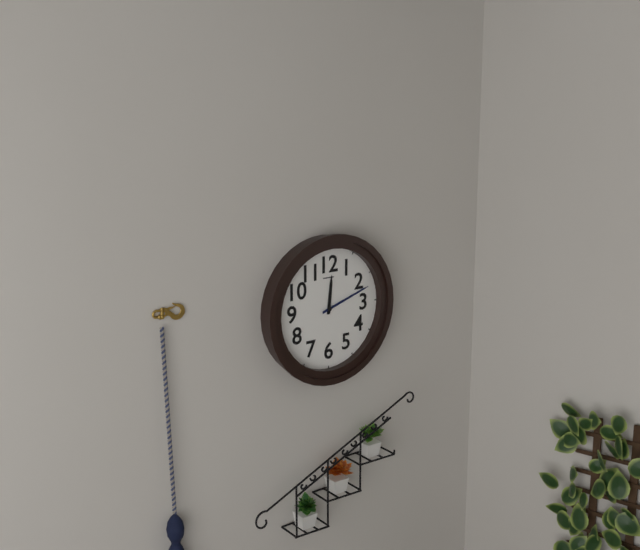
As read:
12,12
